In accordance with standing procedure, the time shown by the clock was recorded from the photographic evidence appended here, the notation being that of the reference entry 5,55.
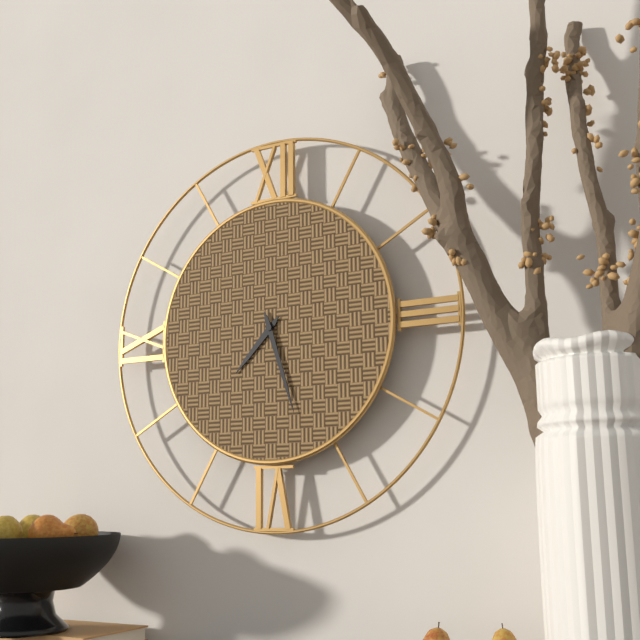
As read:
7,27
